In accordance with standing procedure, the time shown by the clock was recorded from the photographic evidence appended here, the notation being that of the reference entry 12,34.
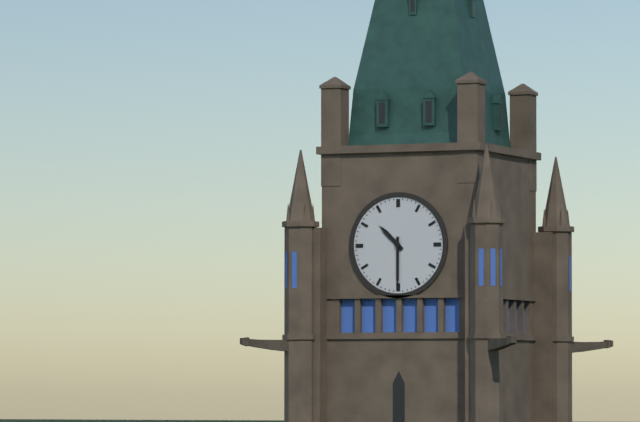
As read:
10,30
